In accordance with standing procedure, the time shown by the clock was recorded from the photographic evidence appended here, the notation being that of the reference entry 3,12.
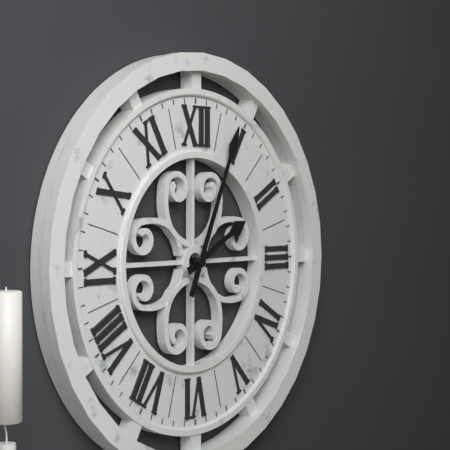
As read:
2,04
